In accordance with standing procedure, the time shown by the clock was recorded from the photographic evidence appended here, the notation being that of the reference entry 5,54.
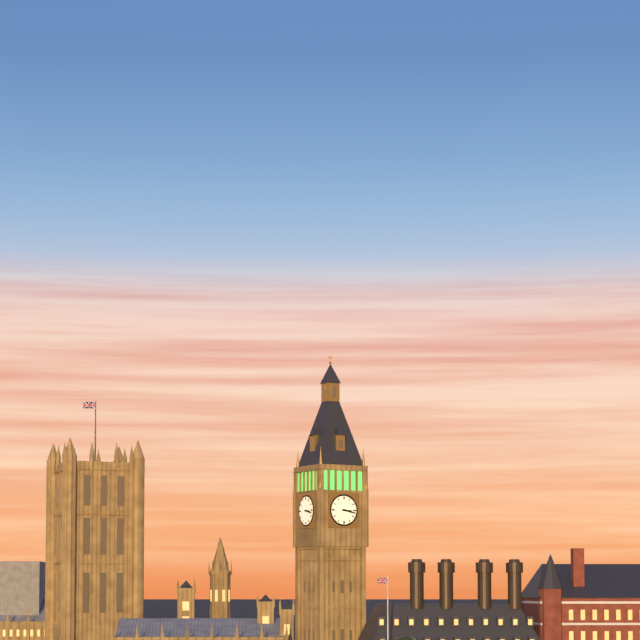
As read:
3,17
